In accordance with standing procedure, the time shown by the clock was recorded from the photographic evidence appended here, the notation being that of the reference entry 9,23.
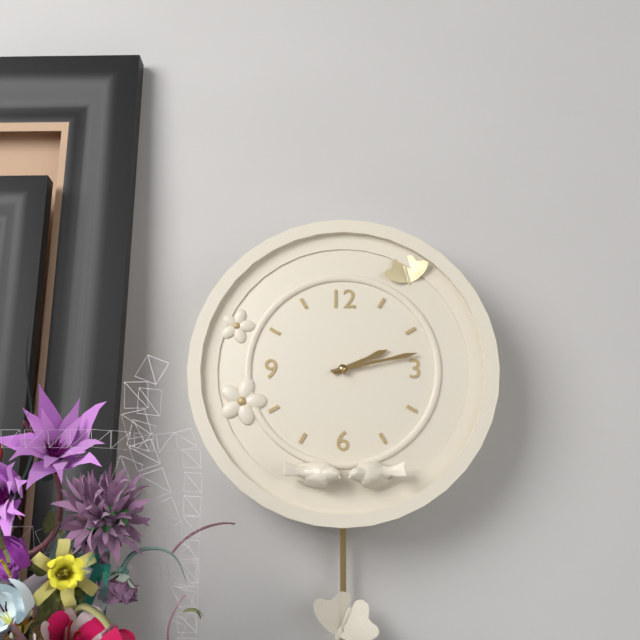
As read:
2,13
